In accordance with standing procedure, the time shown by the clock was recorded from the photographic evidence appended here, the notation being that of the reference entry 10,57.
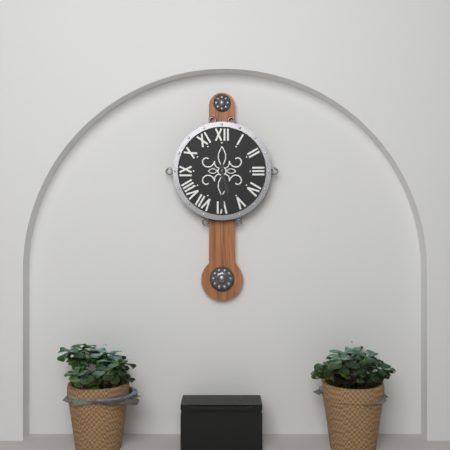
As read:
5,30
